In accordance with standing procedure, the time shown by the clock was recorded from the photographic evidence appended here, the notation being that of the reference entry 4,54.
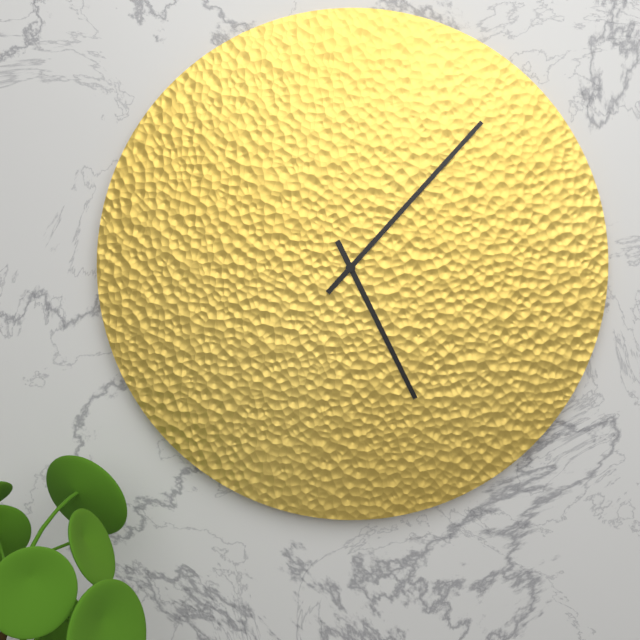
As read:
5,07
